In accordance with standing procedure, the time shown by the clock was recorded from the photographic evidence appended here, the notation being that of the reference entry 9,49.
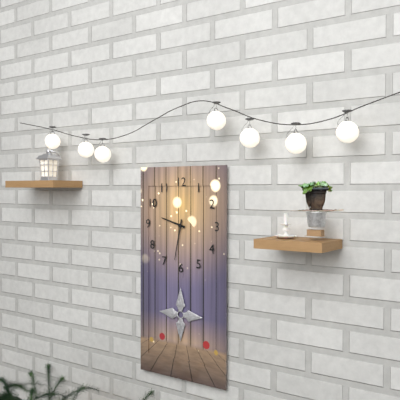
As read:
9,32
